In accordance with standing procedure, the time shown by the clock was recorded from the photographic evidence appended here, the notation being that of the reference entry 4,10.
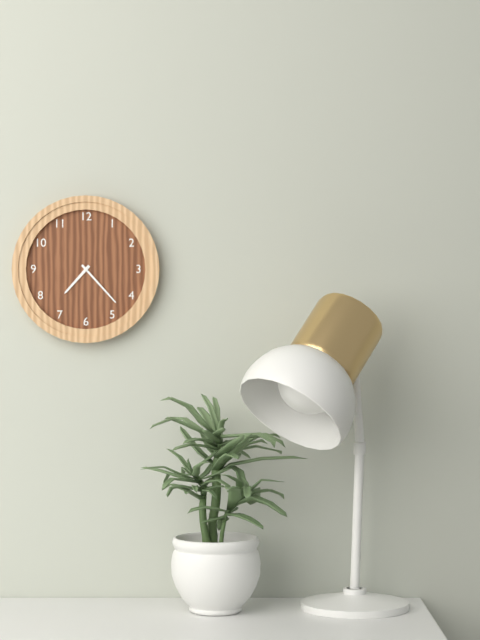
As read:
7,23
